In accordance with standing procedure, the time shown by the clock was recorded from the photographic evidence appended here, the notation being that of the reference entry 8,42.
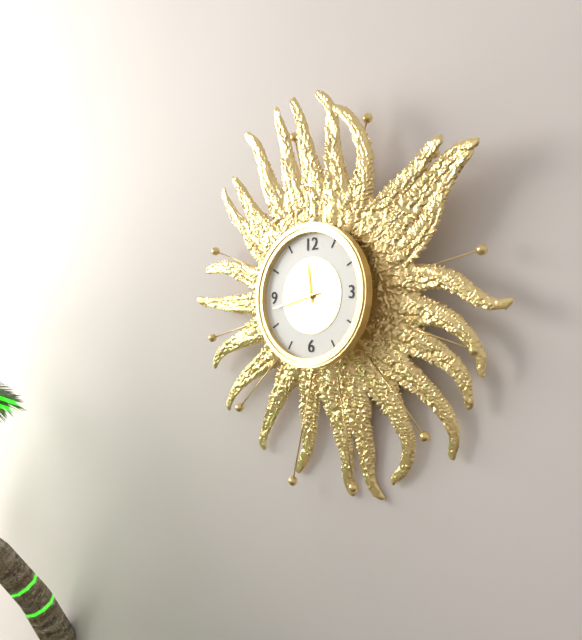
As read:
11,43
